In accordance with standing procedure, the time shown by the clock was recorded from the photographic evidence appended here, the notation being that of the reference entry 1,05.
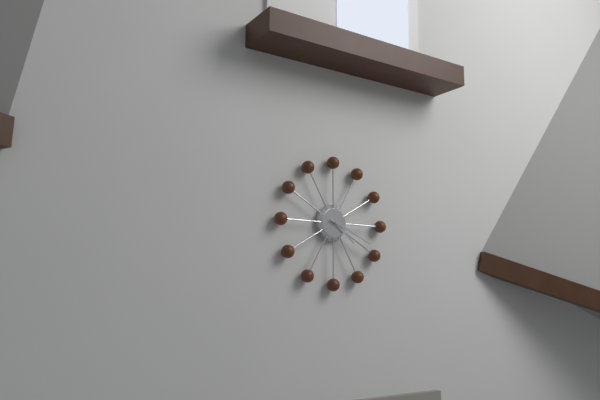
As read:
4,19
